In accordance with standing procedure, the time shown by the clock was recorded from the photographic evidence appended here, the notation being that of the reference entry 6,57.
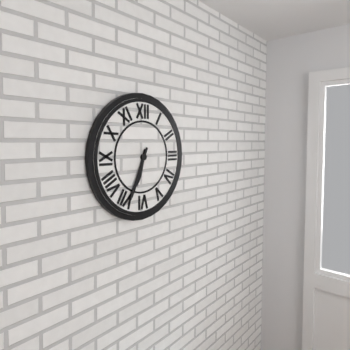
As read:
6,34
